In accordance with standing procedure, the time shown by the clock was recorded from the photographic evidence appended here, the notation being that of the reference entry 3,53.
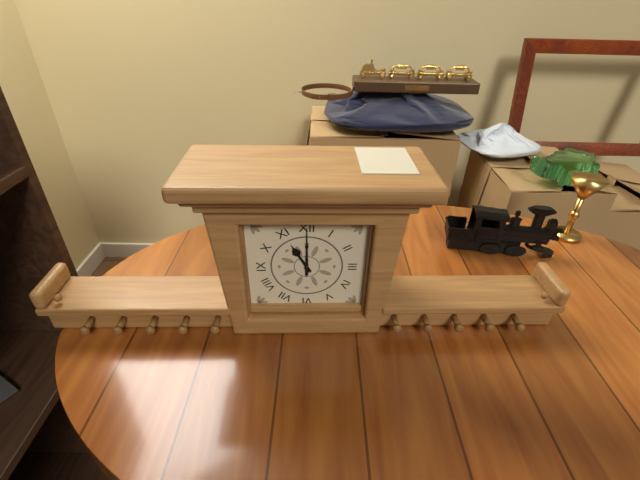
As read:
11,00
